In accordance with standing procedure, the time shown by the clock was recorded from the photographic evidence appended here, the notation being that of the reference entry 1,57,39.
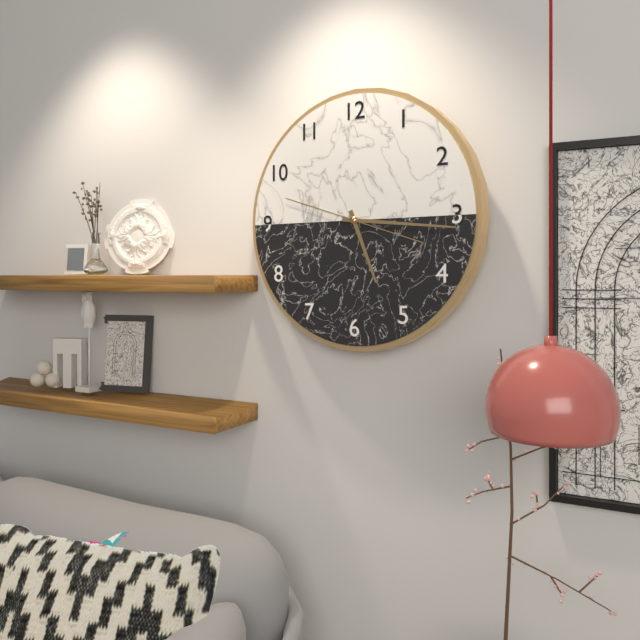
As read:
5,16,48
